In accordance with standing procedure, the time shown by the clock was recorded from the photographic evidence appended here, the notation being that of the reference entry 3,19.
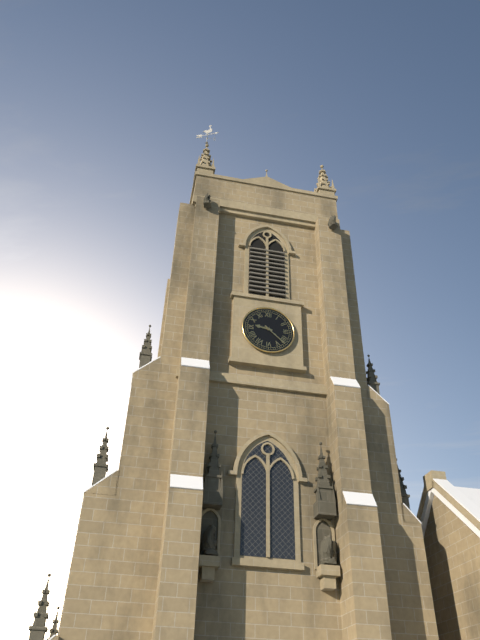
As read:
9,22
